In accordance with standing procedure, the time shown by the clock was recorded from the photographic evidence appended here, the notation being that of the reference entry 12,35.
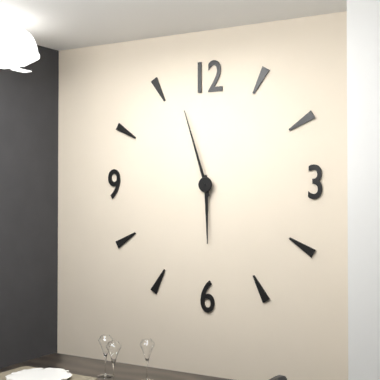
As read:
5,57
